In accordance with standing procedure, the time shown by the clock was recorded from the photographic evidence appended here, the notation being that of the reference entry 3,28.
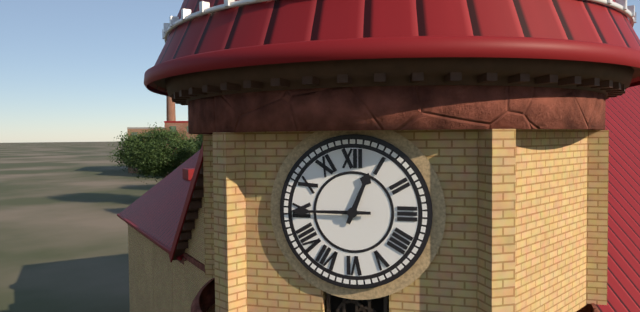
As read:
12,45
